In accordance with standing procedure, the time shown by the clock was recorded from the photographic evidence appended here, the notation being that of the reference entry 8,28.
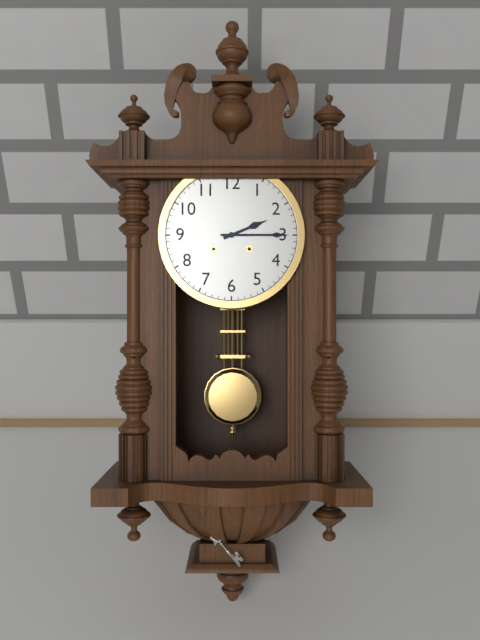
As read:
2,15
